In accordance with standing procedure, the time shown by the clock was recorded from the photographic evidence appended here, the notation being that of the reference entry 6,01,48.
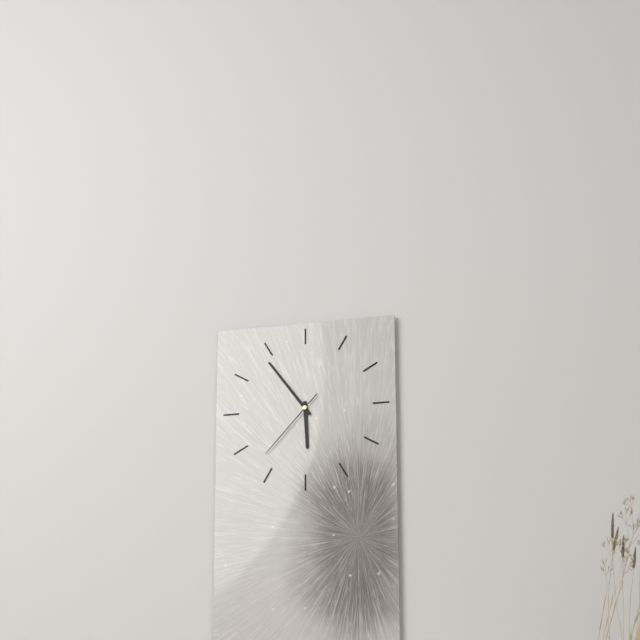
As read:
5,54,37
